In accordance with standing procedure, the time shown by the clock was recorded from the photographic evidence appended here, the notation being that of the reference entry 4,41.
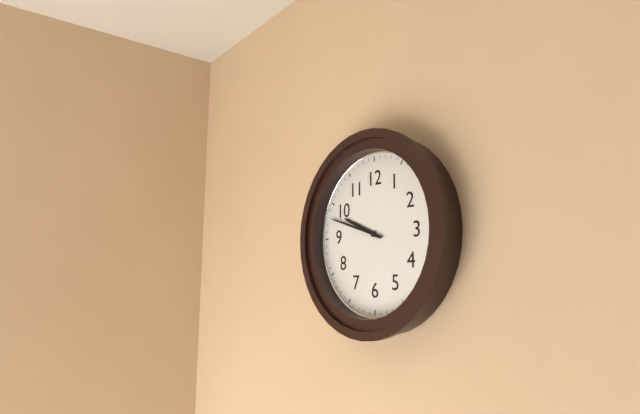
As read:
9,48
